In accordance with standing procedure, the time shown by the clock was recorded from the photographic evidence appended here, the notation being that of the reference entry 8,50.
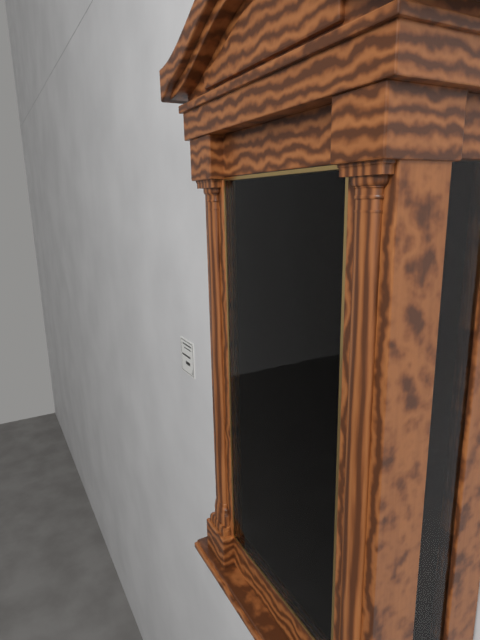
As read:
10,06
